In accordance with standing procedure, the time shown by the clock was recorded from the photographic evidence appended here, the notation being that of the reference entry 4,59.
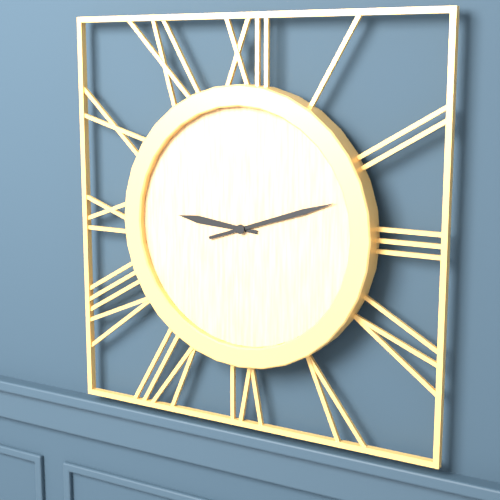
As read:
9,12
